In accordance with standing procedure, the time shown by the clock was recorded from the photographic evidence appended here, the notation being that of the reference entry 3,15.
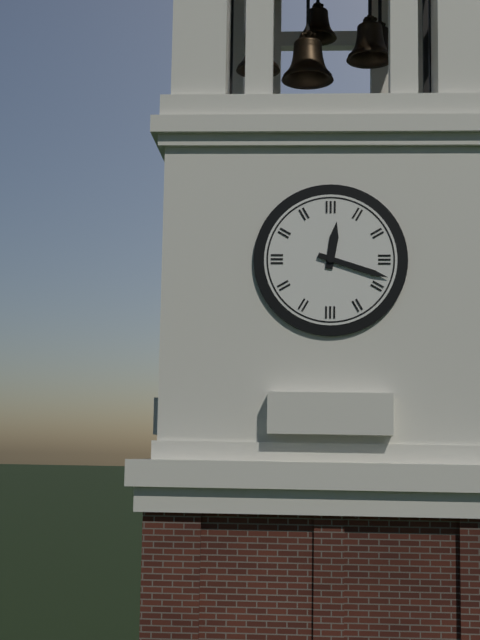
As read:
12,18
